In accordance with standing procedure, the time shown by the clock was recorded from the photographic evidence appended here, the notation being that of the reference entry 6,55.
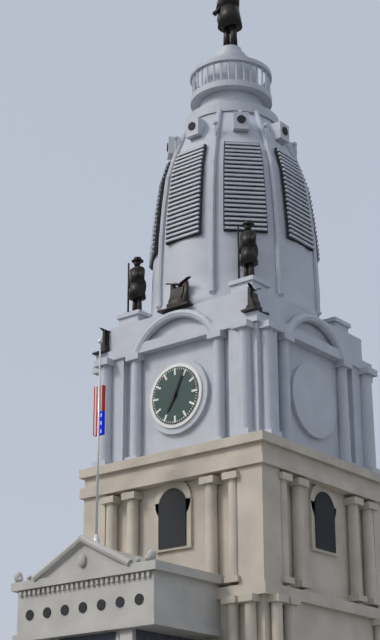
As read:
7,04
